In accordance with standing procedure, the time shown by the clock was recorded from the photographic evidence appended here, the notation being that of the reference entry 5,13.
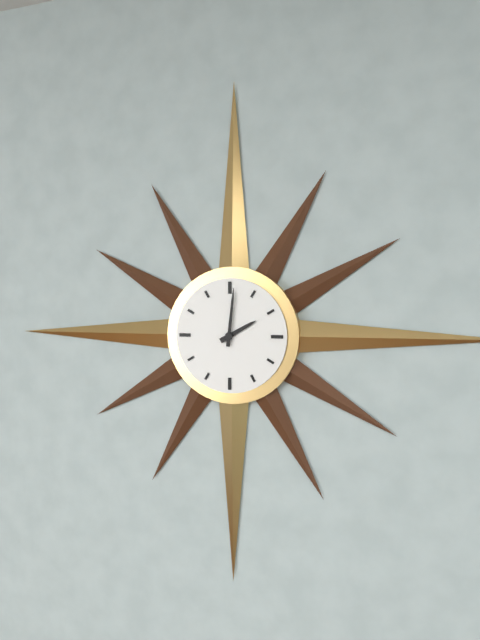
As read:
2,01
